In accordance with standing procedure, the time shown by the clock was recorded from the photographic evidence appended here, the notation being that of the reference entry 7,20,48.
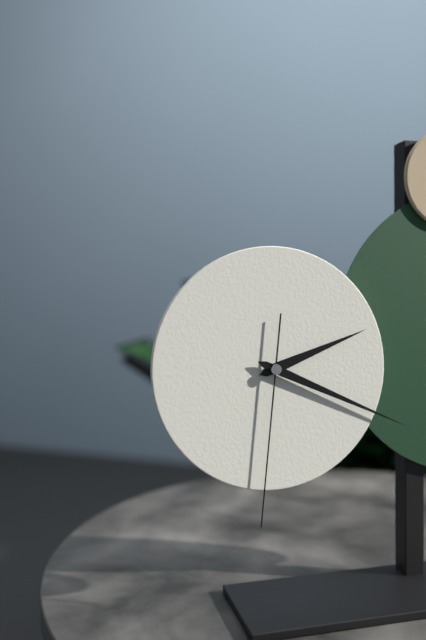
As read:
2,19,31
